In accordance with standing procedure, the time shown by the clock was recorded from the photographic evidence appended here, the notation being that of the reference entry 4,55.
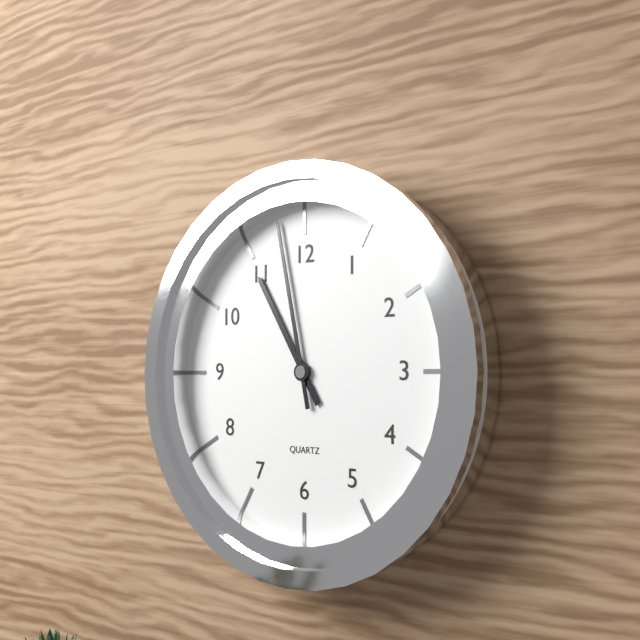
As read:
10,58
